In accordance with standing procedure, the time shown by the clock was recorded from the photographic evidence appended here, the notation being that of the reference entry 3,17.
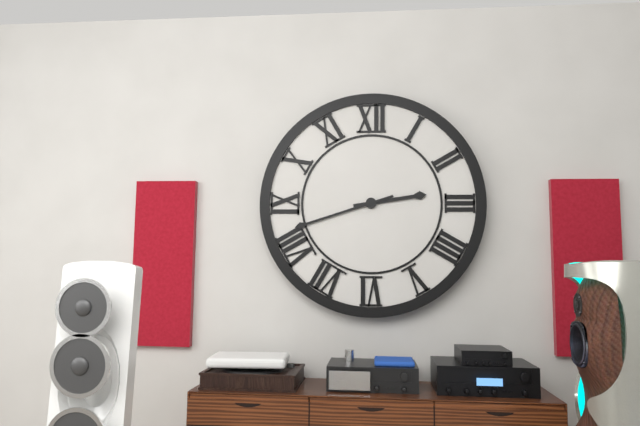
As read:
2,42
